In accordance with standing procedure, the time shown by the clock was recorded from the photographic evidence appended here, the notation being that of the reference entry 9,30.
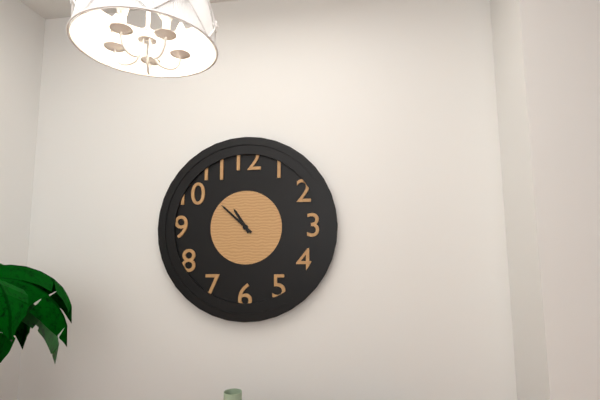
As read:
10,52
